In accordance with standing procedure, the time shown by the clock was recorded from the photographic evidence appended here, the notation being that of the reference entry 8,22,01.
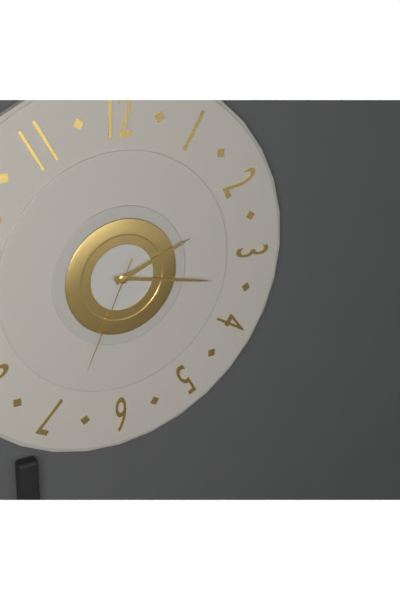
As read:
2,17,34
